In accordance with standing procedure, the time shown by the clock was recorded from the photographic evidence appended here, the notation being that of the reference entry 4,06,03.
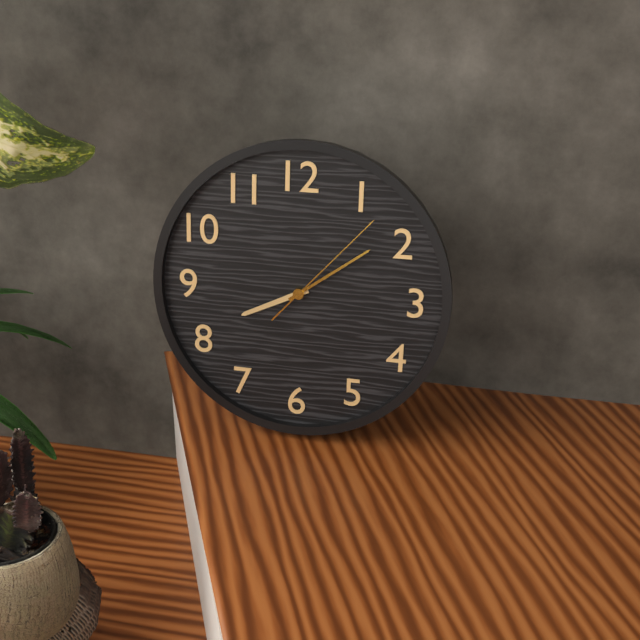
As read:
8,09,07
